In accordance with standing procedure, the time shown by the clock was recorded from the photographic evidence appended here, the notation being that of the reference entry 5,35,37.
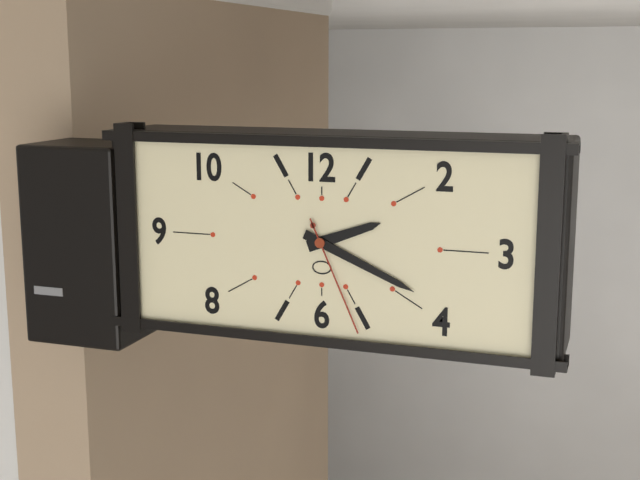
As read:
2,19,26
